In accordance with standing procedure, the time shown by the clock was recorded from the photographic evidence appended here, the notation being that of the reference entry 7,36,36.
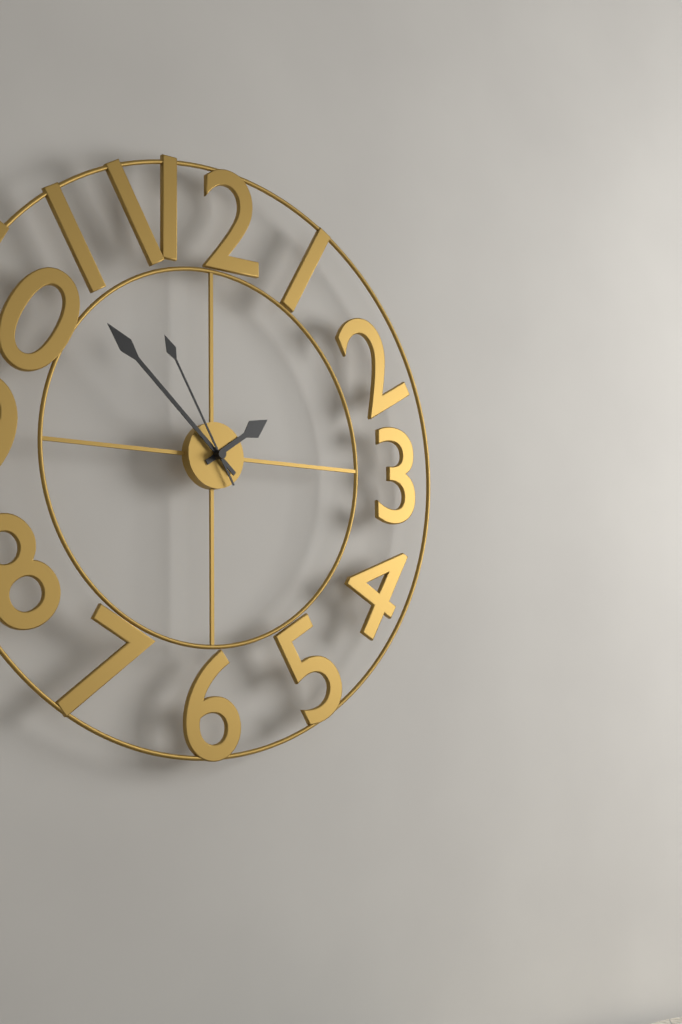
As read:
1,52,55
